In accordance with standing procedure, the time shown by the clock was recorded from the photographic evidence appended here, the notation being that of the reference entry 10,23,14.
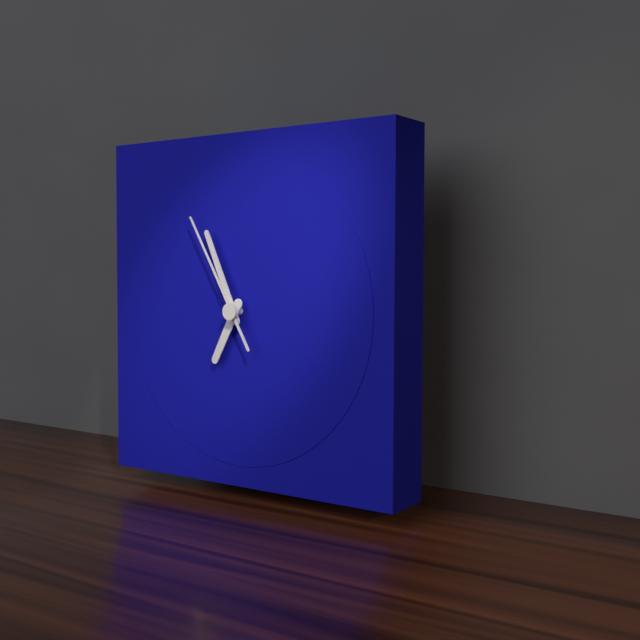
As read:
6,56,55
